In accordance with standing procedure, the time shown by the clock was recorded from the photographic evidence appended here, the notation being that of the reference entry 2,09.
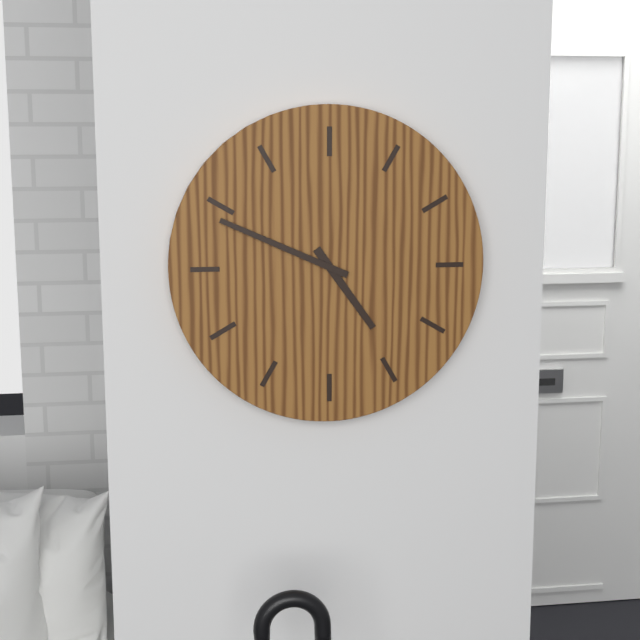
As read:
4,49
